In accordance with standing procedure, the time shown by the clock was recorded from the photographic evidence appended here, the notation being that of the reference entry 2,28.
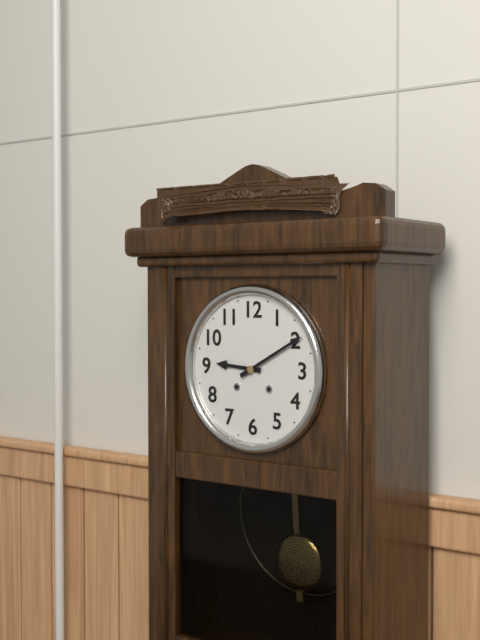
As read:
9,10
